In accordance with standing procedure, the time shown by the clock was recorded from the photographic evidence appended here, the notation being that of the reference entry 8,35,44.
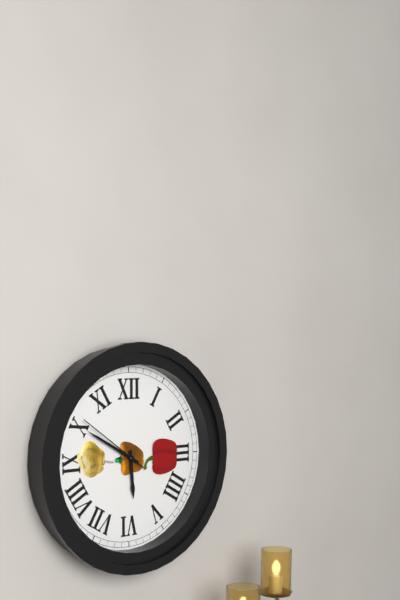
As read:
5,50,51
